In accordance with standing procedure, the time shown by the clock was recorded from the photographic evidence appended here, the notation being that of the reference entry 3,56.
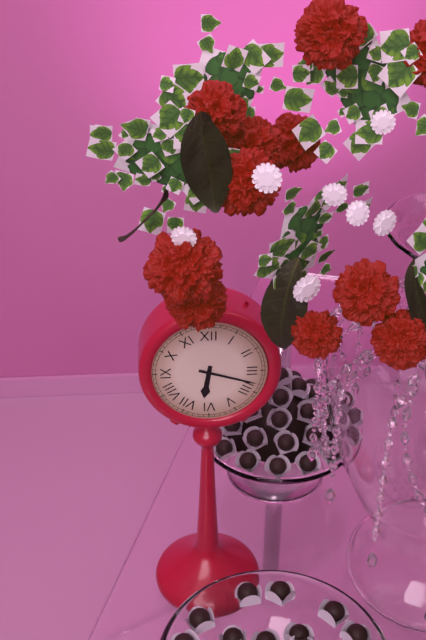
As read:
6,18
